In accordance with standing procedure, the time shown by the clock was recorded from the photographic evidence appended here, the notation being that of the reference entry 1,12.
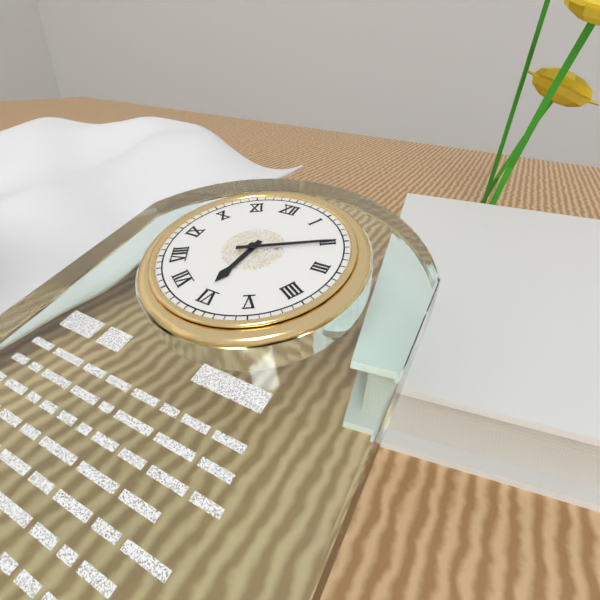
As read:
6,10
